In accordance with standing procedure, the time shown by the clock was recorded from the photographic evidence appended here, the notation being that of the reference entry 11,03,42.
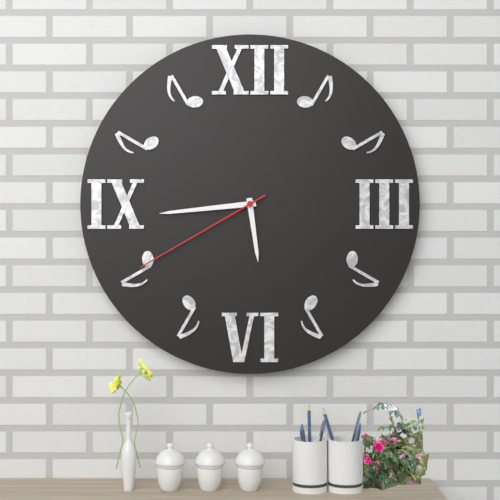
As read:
5,44,40
